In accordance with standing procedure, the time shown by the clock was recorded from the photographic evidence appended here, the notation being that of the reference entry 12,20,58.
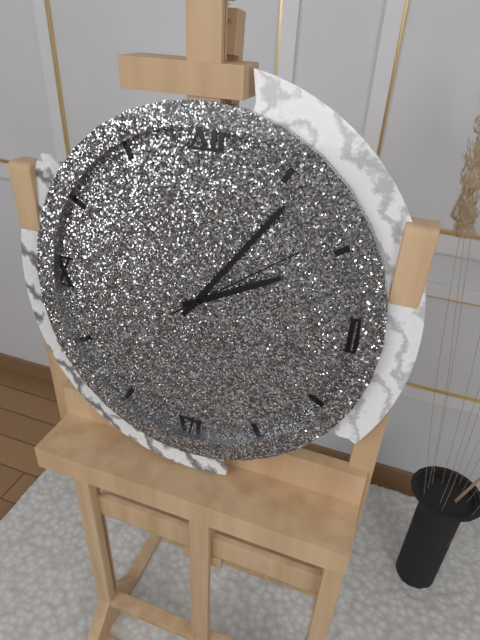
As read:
2,06,09
